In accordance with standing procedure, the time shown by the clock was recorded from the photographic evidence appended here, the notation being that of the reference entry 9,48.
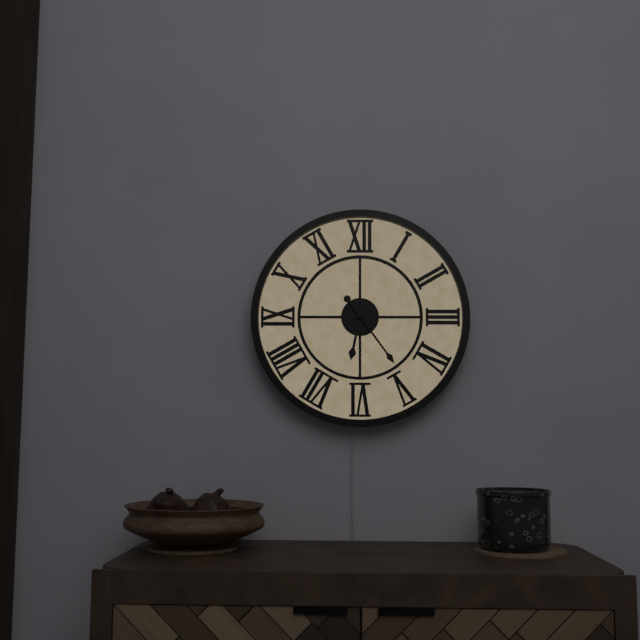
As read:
6,24
